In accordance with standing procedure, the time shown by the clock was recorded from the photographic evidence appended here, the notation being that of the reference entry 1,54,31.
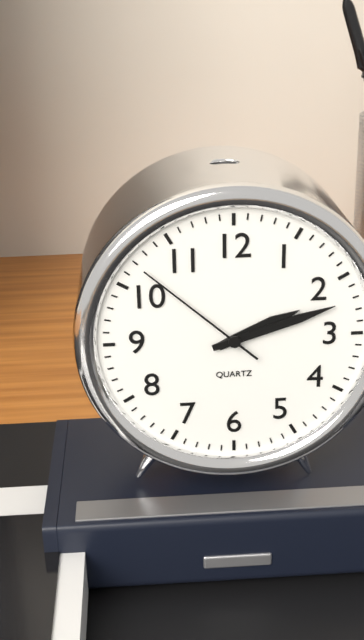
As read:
2,12,52
